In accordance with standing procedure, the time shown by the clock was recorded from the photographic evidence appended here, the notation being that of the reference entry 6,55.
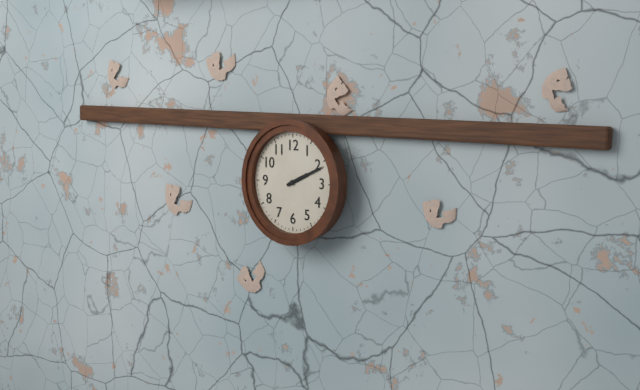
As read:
2,11
